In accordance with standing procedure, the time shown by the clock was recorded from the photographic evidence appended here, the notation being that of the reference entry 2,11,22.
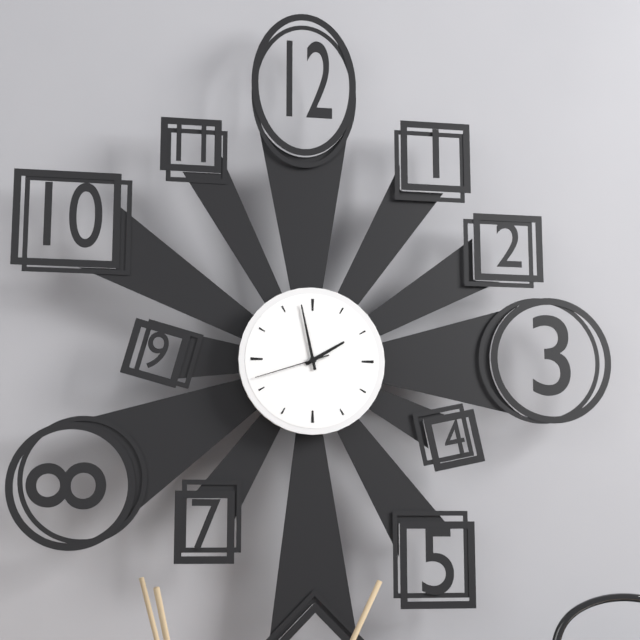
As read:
1,58,42
